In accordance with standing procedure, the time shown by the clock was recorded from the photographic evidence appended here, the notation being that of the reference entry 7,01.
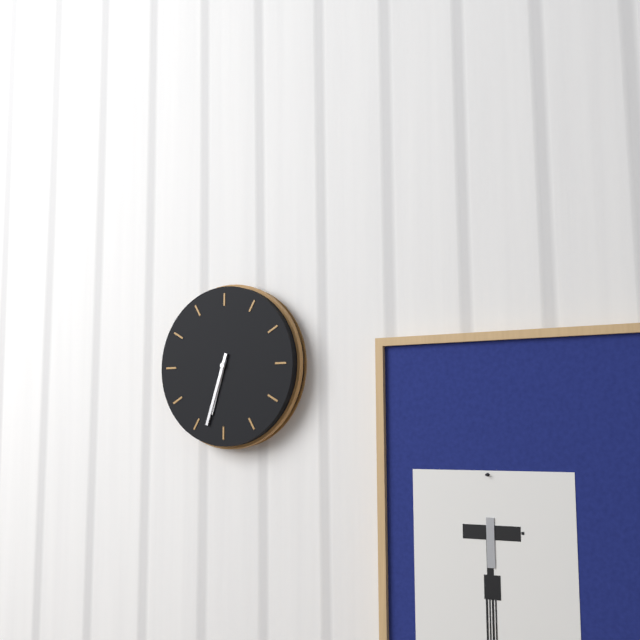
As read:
6,33
